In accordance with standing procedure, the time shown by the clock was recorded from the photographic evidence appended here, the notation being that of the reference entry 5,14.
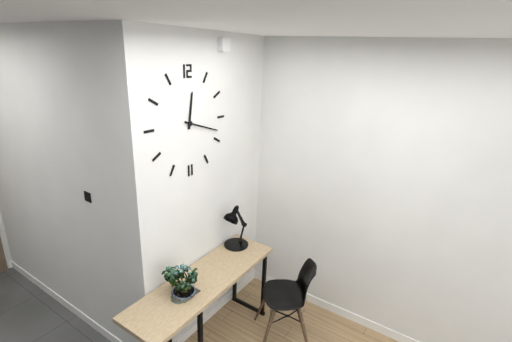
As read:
12,18
